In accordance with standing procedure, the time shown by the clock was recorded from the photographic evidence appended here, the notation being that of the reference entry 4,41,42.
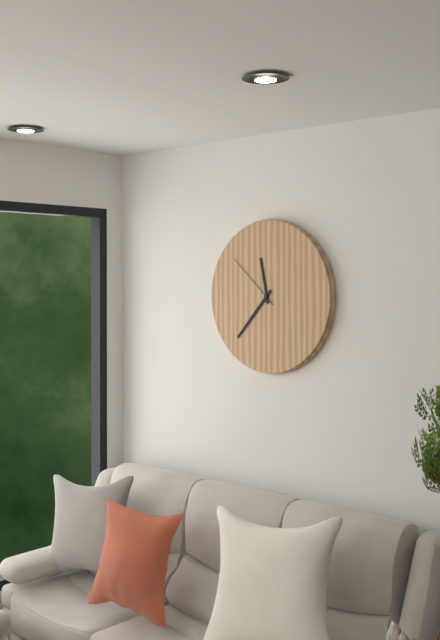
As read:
11,37,52
